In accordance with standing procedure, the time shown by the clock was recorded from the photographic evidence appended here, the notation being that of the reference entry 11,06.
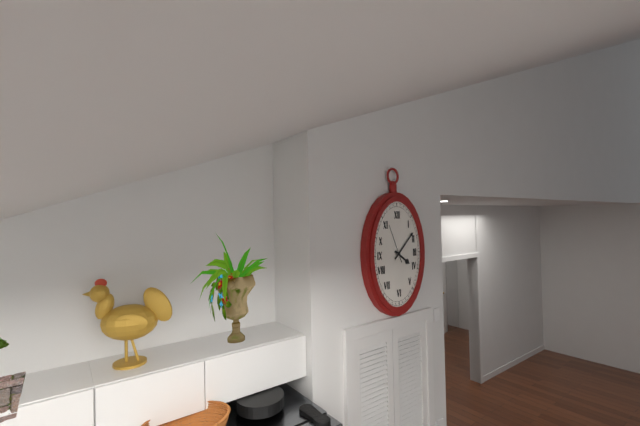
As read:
4,08
